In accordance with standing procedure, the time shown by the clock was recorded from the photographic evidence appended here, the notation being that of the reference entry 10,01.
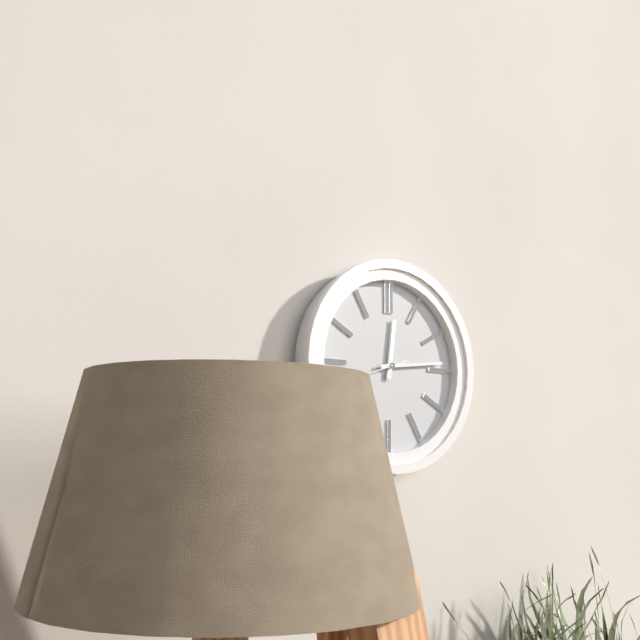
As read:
12,14
